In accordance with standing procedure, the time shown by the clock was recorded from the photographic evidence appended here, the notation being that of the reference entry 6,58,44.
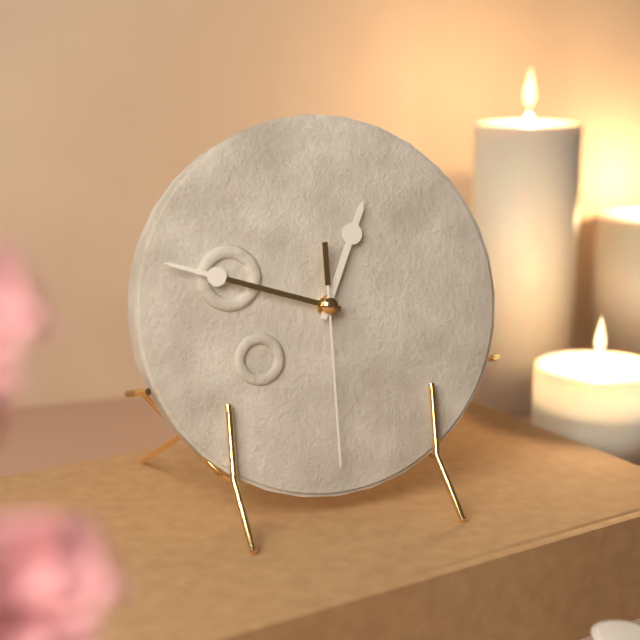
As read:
12,48,30
